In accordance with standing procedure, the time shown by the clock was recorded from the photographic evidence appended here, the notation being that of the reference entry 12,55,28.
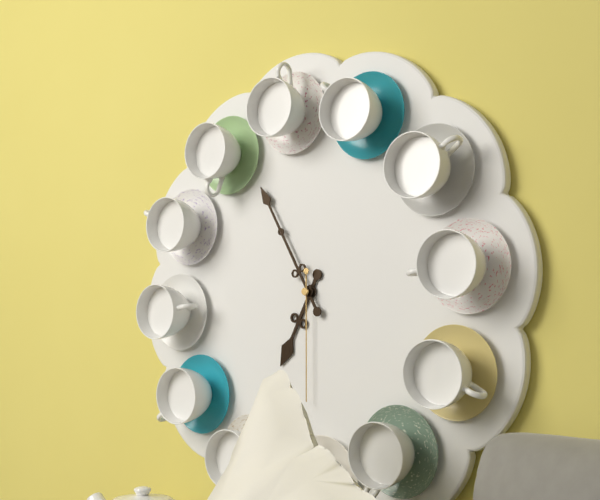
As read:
6,55,30
